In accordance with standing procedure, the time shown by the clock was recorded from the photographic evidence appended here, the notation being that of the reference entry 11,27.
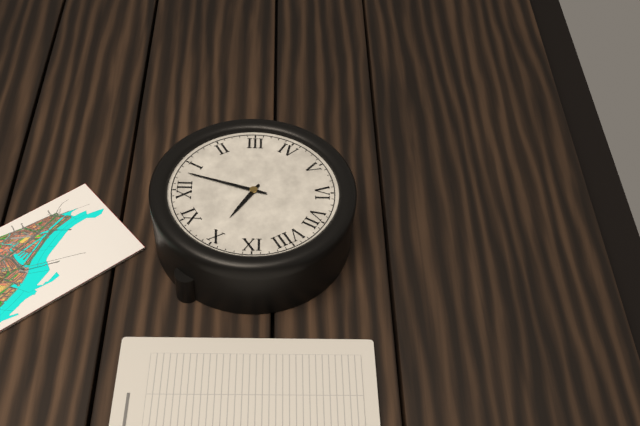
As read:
10,03
